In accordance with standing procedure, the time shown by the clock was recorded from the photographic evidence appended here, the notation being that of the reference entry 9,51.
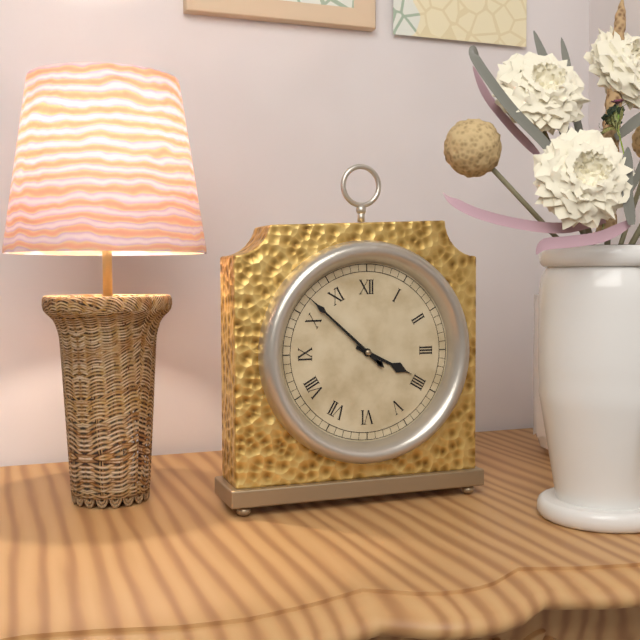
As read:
3,52
